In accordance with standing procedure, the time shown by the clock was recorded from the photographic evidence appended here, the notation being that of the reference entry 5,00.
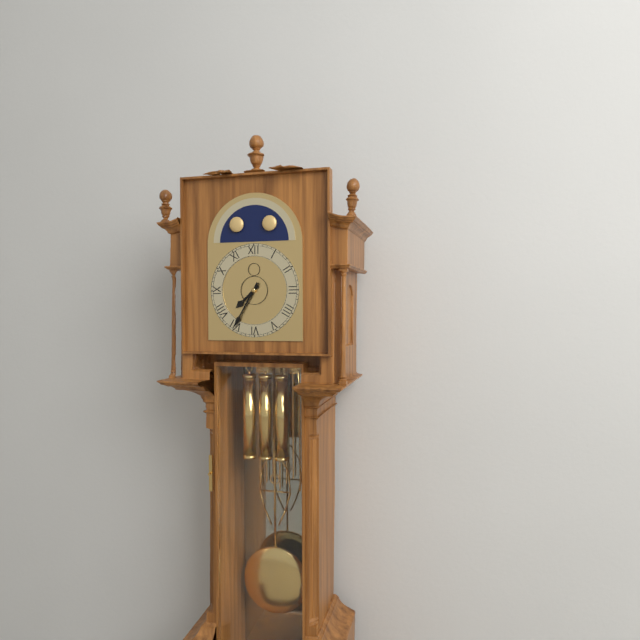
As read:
7,35
